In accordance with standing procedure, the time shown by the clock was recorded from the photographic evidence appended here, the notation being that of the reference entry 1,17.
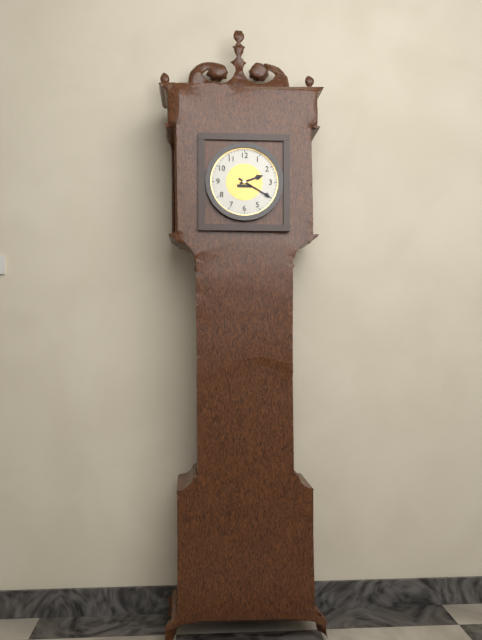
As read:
2,20
